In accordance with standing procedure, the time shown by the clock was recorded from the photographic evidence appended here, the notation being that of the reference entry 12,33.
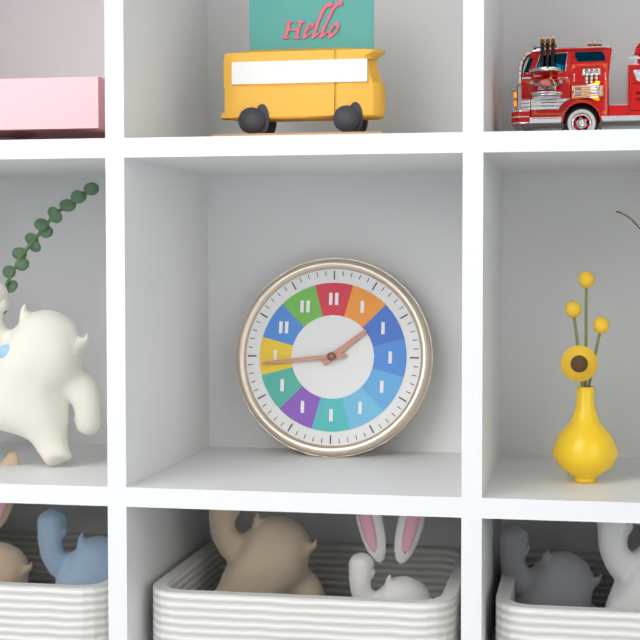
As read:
1,44
